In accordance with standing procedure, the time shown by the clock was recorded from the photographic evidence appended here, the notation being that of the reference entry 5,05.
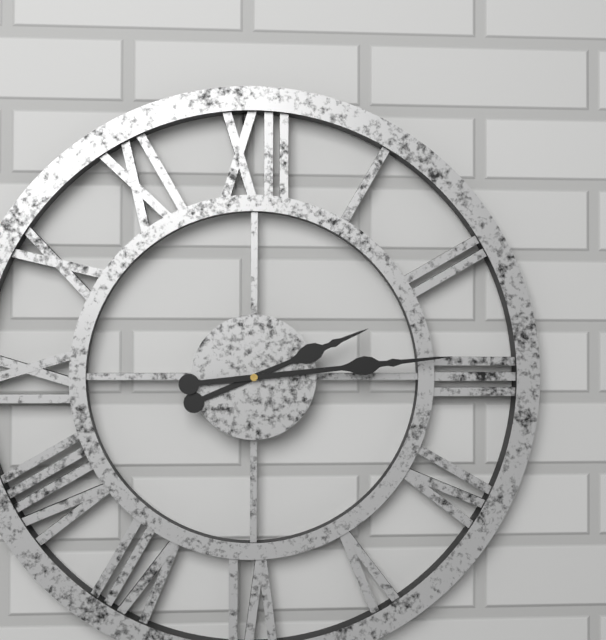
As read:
2,14
